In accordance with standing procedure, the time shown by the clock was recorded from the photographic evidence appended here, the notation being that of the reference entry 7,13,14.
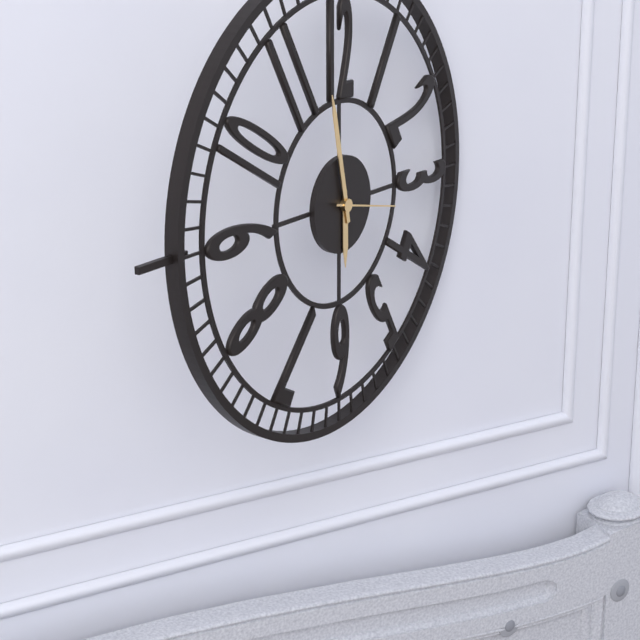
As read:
5,58,17
